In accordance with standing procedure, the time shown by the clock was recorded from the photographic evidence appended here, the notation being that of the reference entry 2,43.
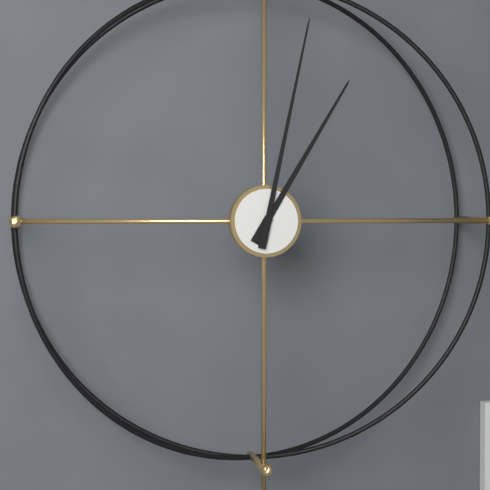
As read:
1,02
